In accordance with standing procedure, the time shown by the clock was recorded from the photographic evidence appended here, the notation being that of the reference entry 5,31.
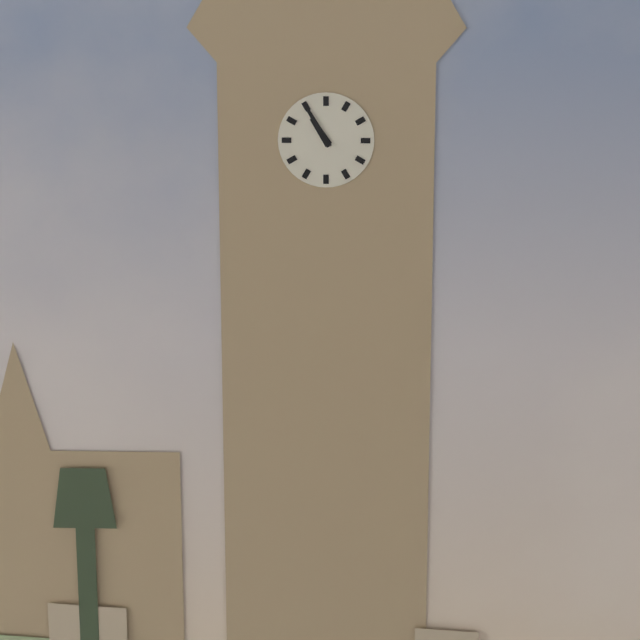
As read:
10,55
